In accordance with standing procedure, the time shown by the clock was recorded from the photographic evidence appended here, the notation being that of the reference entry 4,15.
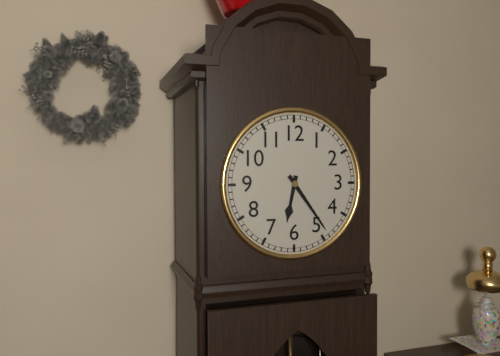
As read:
6,24
